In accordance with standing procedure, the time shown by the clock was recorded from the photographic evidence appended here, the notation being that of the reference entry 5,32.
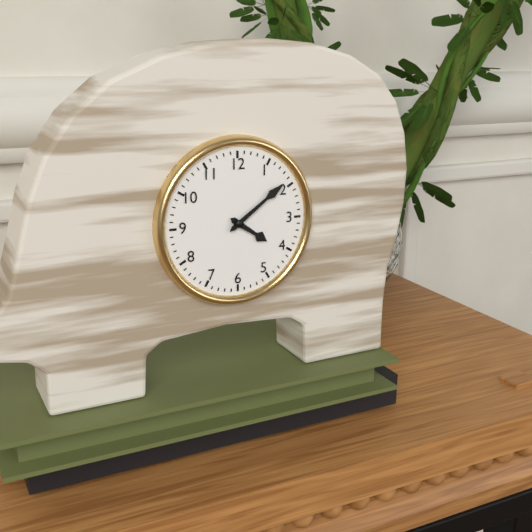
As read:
4,09
